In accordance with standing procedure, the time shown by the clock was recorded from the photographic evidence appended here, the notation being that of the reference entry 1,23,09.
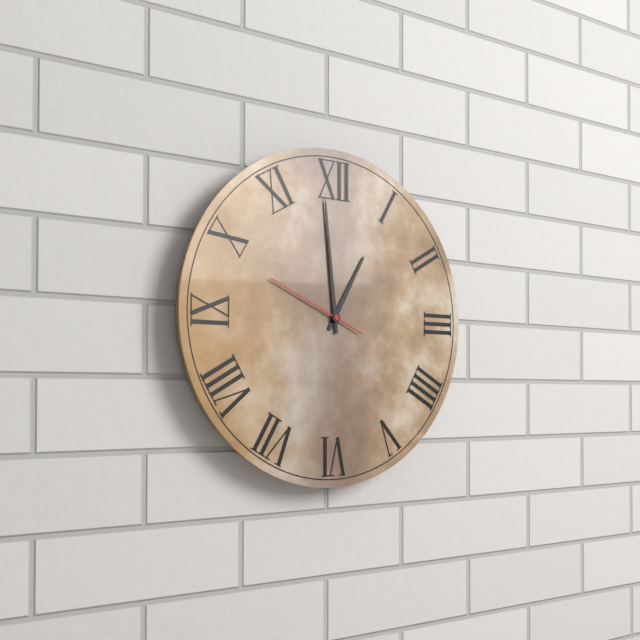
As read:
12,59,49
